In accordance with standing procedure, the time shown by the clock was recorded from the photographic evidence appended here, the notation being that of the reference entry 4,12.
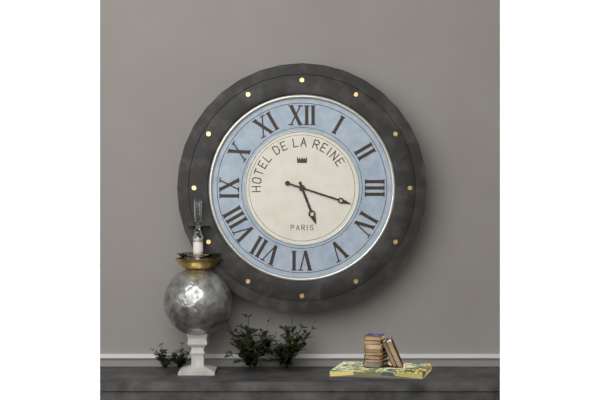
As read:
5,18
